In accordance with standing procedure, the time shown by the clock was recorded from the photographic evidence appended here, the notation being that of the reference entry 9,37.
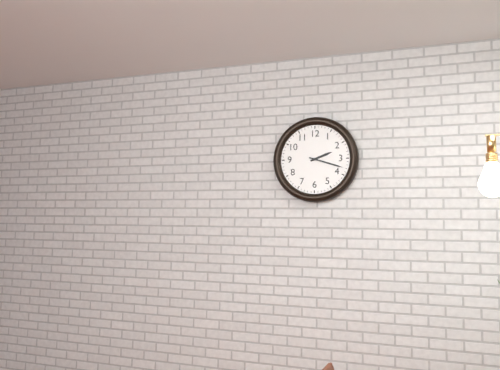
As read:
2,18
